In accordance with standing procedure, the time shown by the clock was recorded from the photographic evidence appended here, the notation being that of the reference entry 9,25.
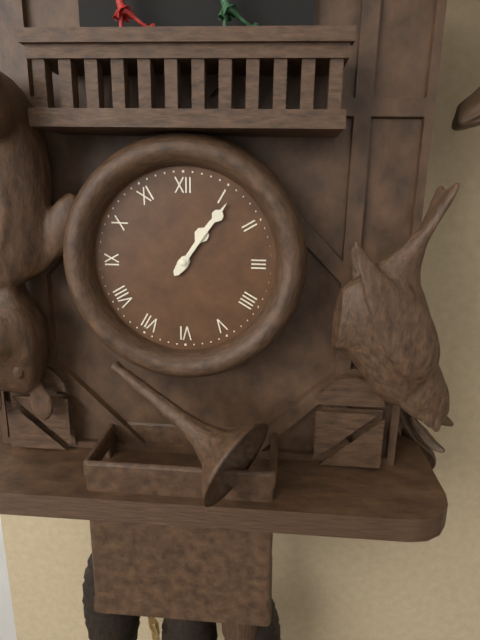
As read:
1,06
